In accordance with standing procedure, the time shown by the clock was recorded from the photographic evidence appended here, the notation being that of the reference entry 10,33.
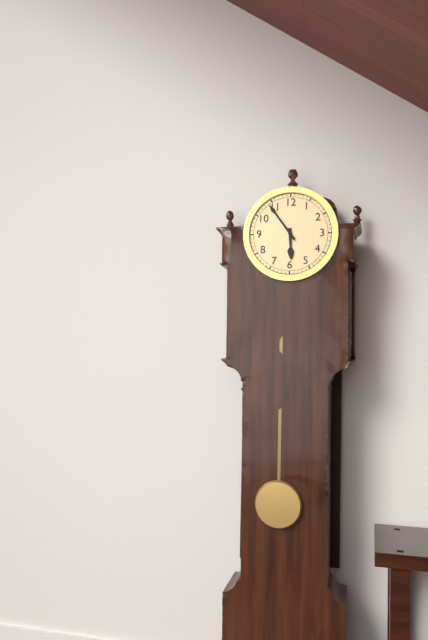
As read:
5,54
